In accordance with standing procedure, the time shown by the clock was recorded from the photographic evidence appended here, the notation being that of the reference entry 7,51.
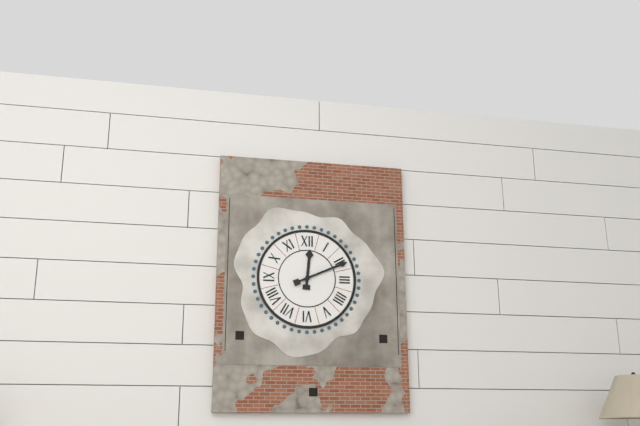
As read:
12,11
